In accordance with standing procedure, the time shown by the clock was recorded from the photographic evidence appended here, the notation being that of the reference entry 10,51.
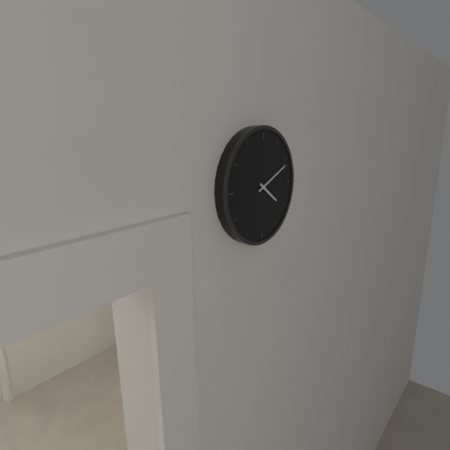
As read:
4,11
